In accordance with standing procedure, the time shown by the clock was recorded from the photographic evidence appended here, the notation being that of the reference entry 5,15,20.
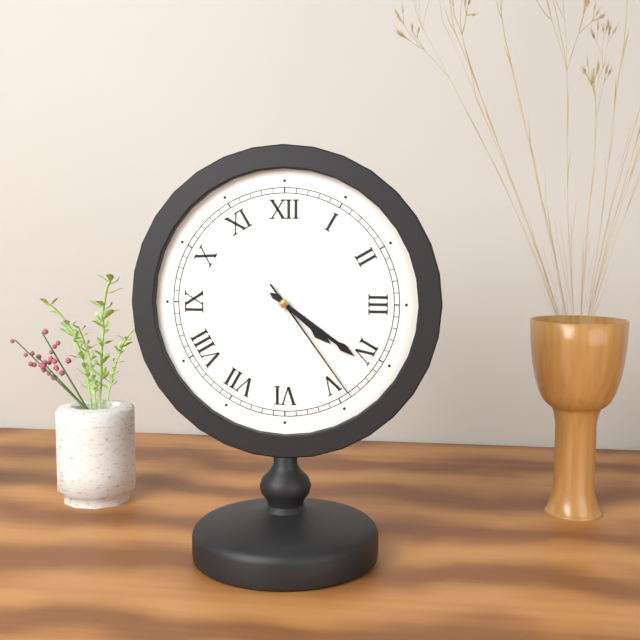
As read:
4,21,24
